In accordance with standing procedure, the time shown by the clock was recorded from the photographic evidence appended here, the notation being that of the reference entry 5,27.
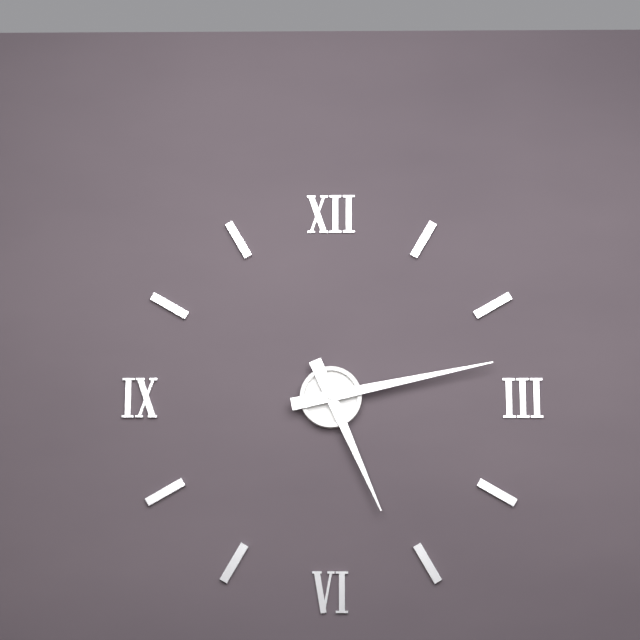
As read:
5,13
